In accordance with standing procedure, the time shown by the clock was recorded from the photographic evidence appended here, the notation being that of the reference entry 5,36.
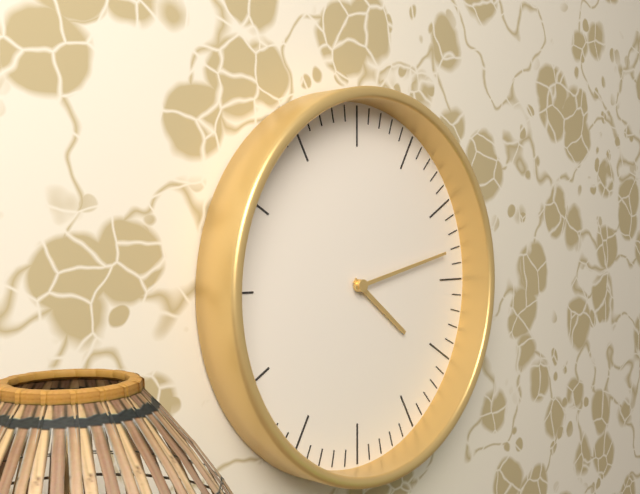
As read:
4,13
